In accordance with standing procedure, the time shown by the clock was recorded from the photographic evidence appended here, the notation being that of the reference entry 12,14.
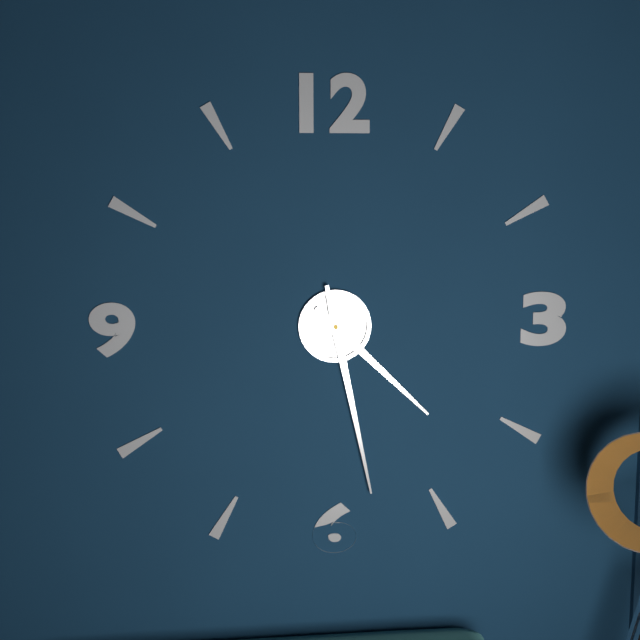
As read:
4,28
